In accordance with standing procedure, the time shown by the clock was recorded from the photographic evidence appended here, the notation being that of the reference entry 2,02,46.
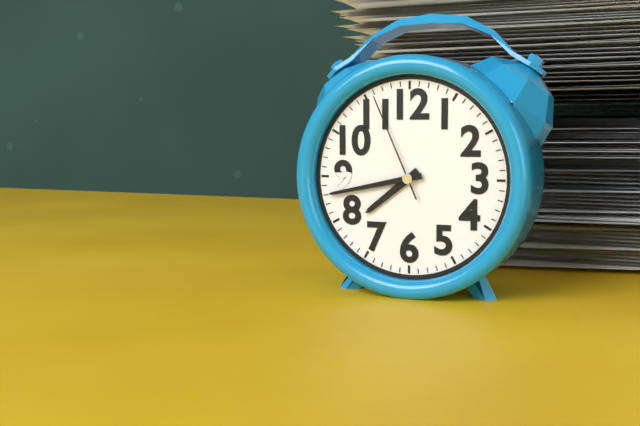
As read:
7,43,56
